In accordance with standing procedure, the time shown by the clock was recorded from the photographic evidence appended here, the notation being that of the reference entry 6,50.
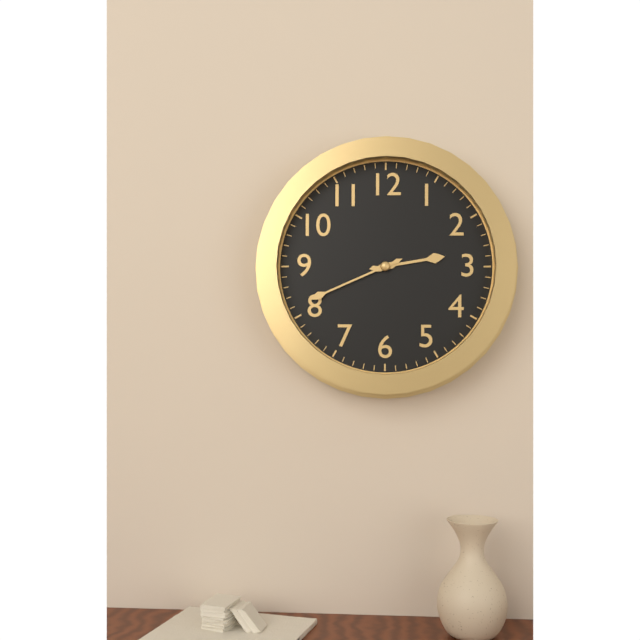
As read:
2,41
